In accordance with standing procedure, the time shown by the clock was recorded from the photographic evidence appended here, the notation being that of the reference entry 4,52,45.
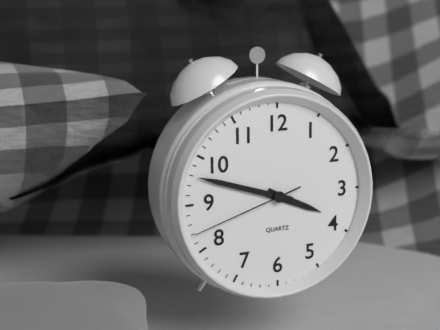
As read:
3,48,42
